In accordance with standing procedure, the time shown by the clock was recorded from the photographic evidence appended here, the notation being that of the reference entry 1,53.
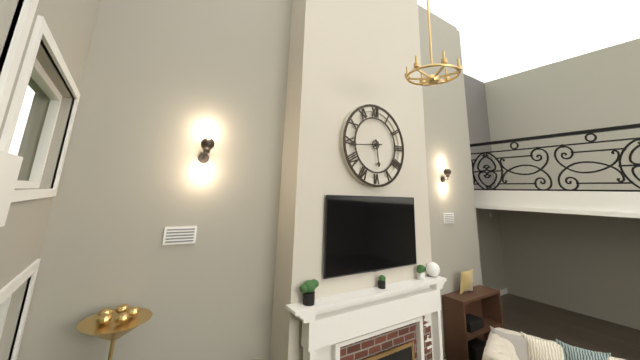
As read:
5,44
